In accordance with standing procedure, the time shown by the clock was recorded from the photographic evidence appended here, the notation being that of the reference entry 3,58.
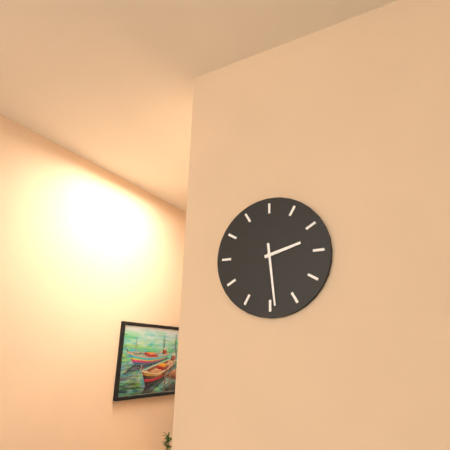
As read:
2,29
